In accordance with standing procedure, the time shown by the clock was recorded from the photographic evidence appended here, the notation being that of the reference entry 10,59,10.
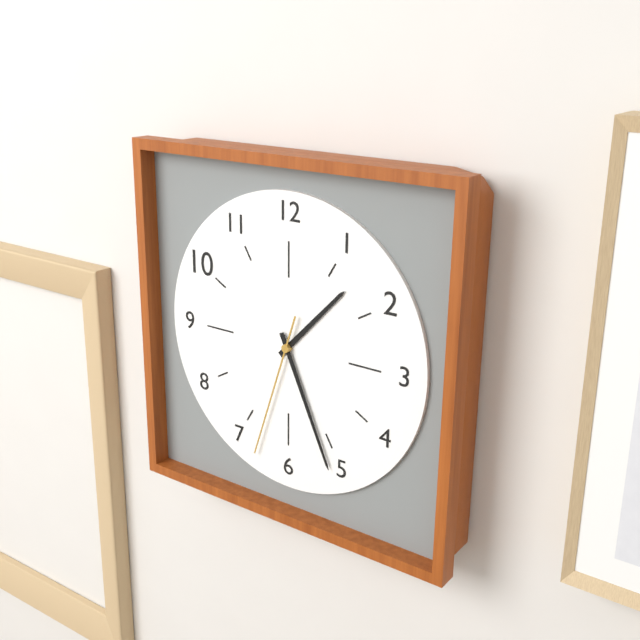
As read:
1,26,33
